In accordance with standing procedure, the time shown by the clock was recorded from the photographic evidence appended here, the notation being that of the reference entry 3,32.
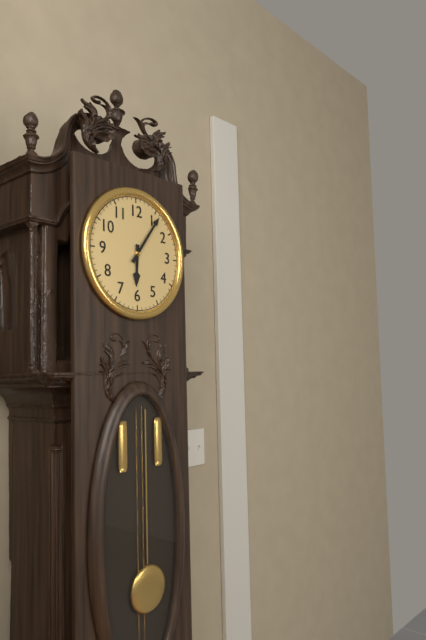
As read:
6,06
